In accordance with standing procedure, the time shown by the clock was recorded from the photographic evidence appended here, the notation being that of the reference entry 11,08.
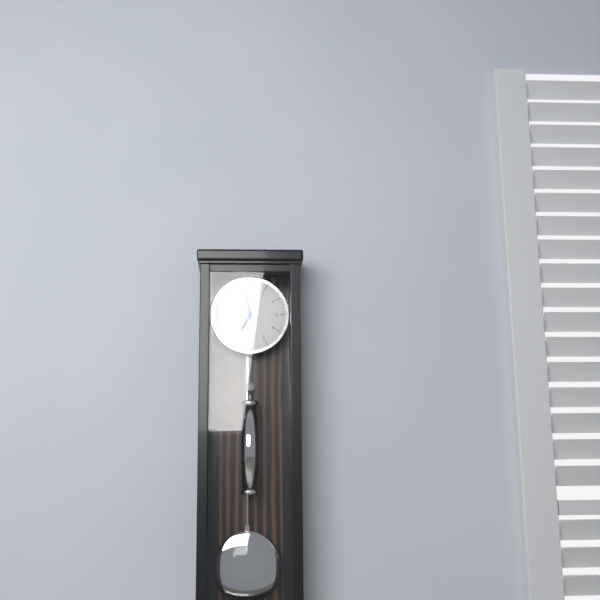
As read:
6,58
